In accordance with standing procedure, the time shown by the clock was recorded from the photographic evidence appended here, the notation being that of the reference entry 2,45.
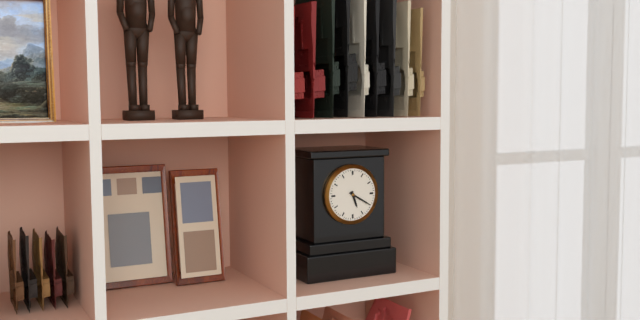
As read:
5,20
